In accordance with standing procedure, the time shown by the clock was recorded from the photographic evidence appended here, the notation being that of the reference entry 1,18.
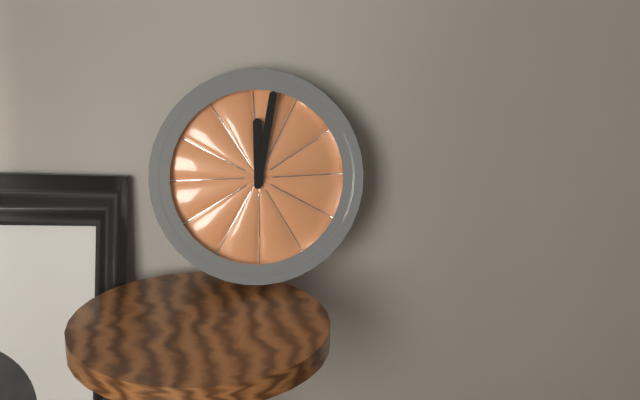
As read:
12,02
